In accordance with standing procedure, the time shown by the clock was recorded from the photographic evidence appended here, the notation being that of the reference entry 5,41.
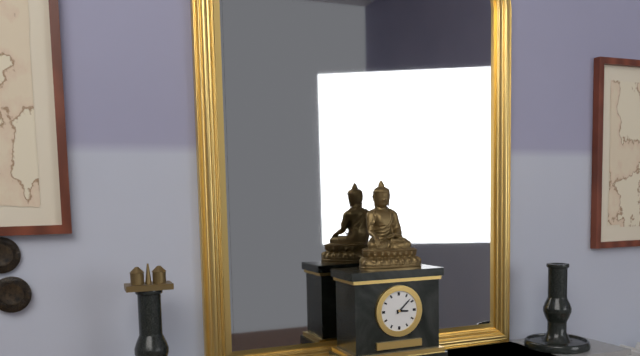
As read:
3,08
